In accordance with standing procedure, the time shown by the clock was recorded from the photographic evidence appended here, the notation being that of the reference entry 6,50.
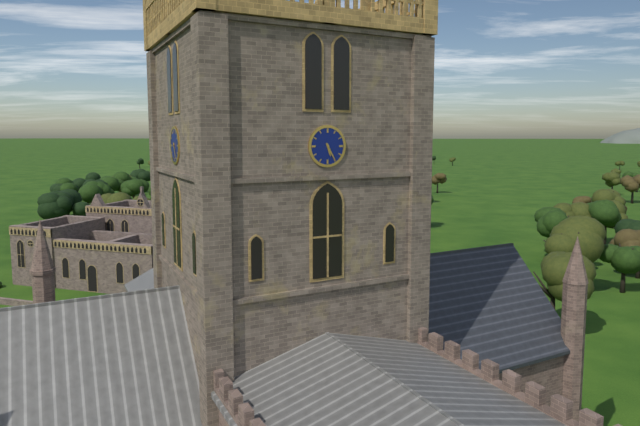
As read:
5,25
